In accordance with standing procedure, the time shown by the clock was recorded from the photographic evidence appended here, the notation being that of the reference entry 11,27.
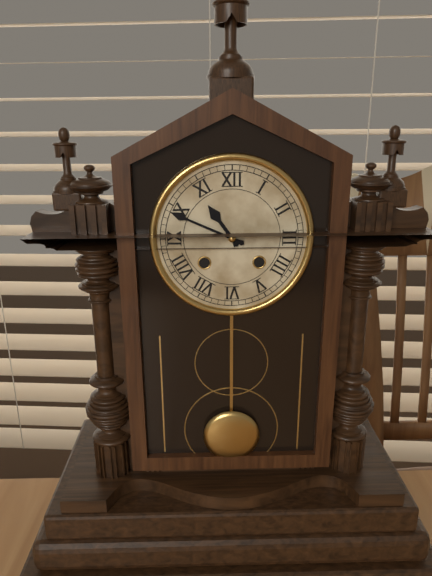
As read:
10,49
